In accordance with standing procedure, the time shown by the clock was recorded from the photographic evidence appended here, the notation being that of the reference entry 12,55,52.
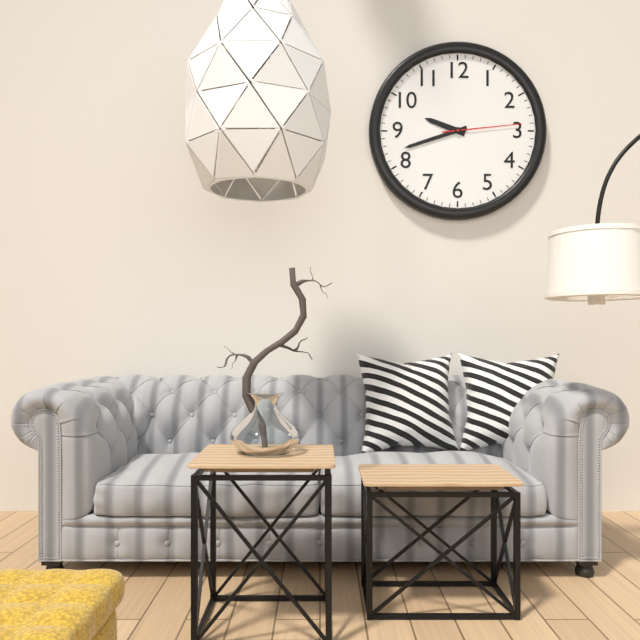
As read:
9,42,14
